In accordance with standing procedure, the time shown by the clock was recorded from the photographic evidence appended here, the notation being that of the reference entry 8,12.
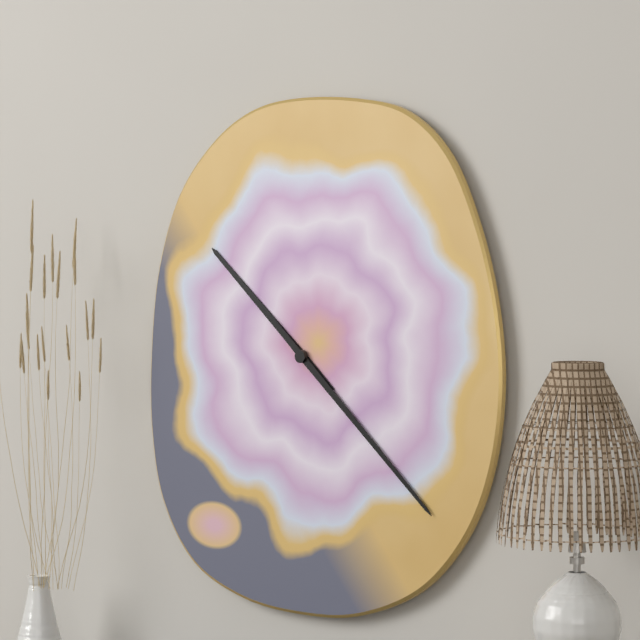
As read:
10,22
